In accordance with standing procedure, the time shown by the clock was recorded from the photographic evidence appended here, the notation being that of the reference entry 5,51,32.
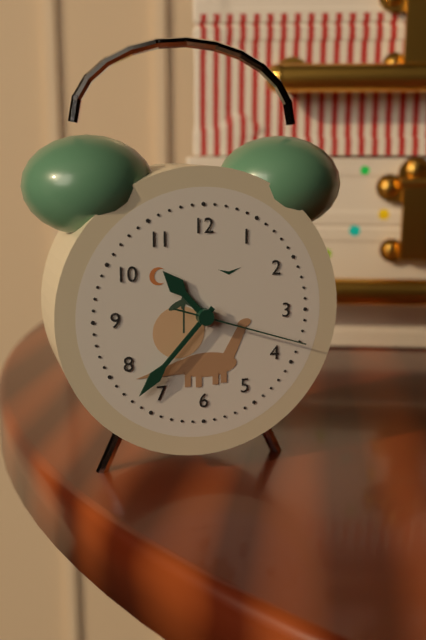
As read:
10,37,18
